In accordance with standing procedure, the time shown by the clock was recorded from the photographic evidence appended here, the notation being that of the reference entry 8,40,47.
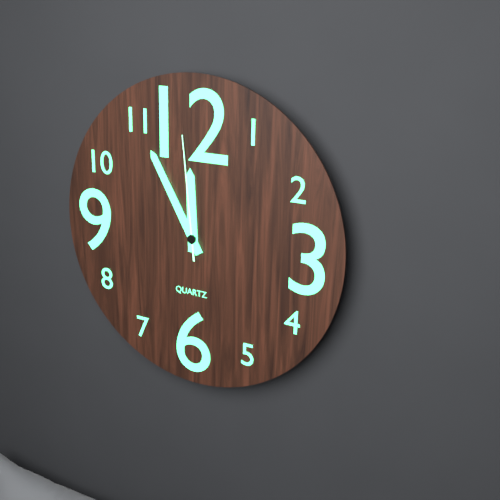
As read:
11,55,59
